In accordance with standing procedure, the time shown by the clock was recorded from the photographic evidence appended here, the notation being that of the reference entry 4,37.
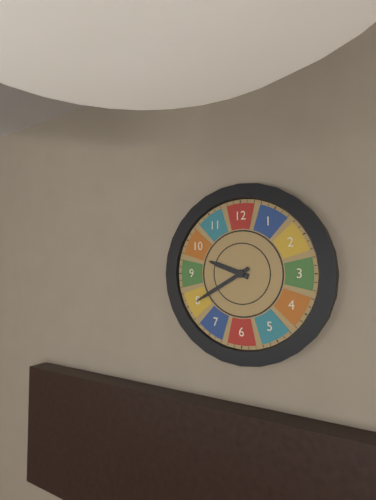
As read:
9,40
